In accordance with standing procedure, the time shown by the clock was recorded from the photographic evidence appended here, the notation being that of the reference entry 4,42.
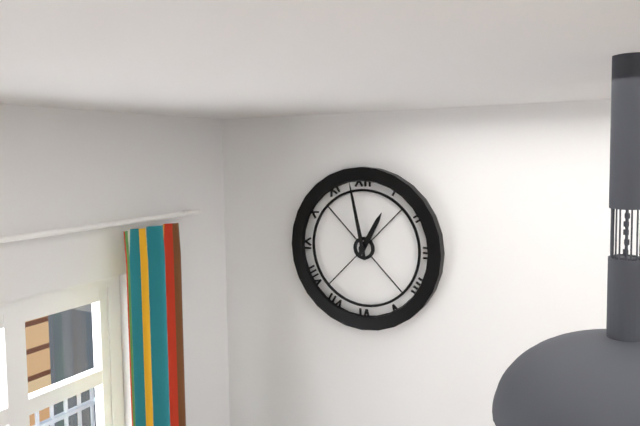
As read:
12,58
